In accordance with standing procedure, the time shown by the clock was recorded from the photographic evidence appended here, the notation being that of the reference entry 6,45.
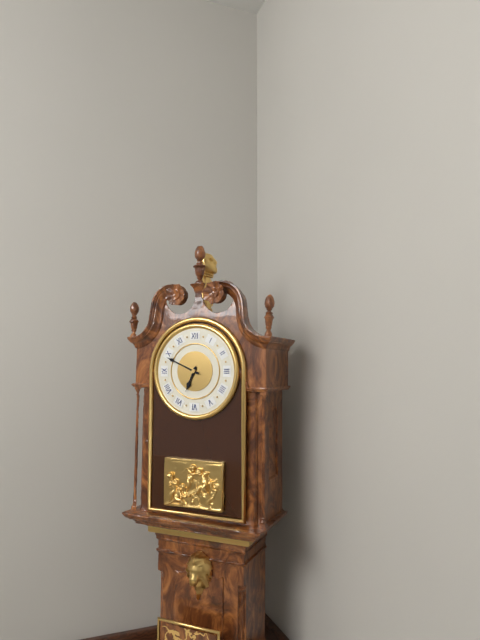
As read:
6,49
